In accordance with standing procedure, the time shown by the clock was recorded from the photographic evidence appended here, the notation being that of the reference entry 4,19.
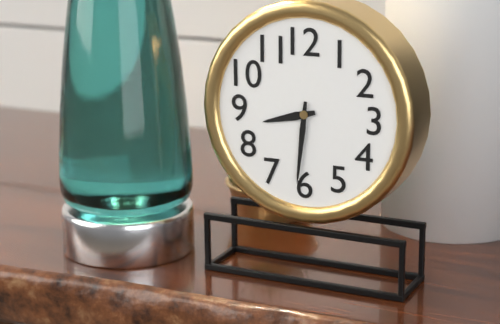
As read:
8,31
